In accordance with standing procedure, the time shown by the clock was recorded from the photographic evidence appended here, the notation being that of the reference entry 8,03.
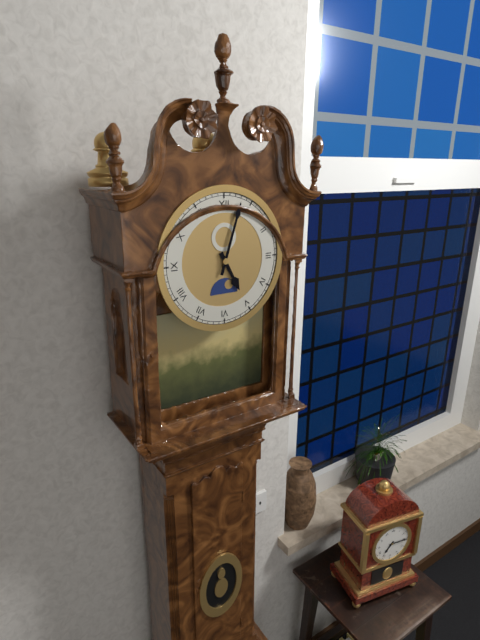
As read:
5,03
